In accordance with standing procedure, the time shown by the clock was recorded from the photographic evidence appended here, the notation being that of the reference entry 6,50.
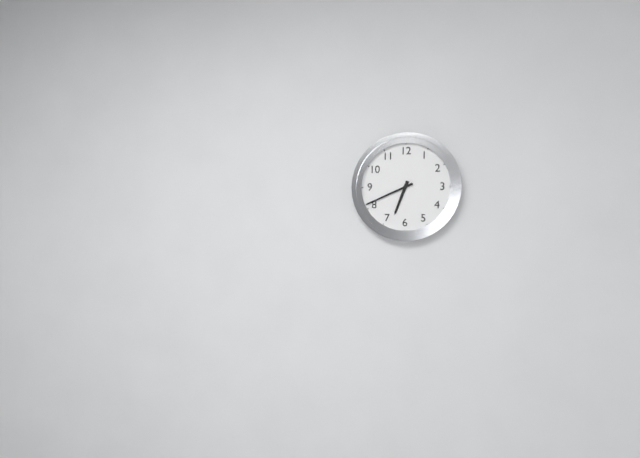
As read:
6,41
